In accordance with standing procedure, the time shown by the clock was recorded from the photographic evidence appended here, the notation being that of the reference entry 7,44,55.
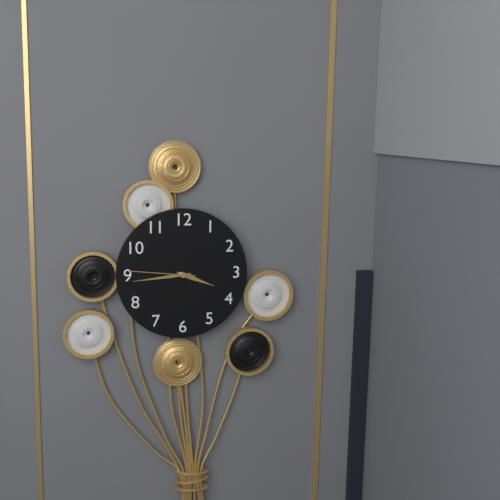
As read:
3,44,46
